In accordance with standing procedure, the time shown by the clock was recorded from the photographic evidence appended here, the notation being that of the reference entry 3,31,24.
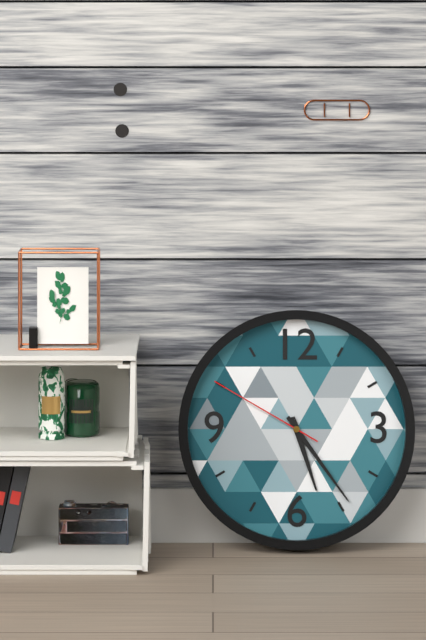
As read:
5,24,50
